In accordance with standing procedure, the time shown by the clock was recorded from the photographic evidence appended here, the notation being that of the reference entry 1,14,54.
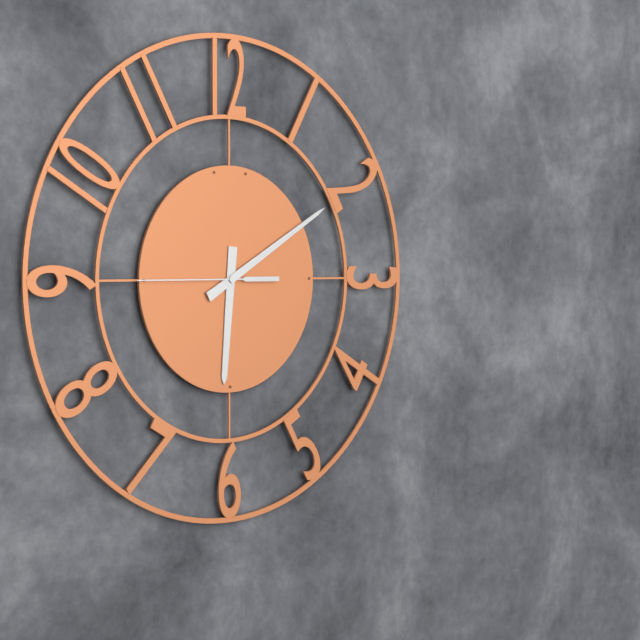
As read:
6,10,45
